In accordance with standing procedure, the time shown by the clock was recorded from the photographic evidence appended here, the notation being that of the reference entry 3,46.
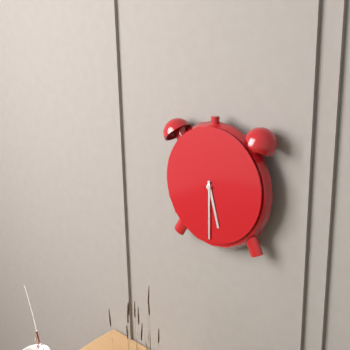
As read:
5,30
